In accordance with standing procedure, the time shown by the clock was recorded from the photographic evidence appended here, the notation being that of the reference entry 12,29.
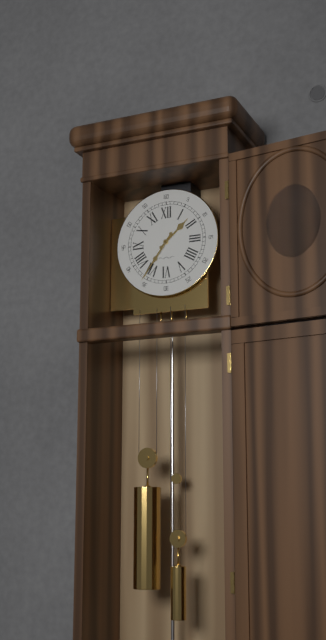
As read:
1,36
